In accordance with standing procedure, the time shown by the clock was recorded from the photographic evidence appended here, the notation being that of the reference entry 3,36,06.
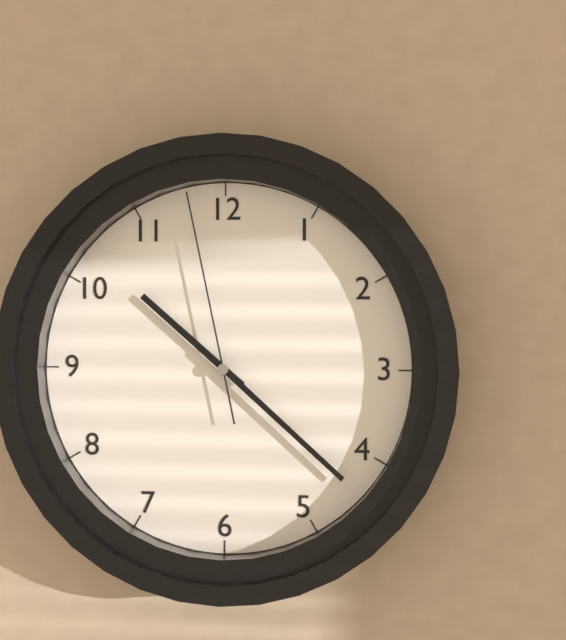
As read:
10,22,58
